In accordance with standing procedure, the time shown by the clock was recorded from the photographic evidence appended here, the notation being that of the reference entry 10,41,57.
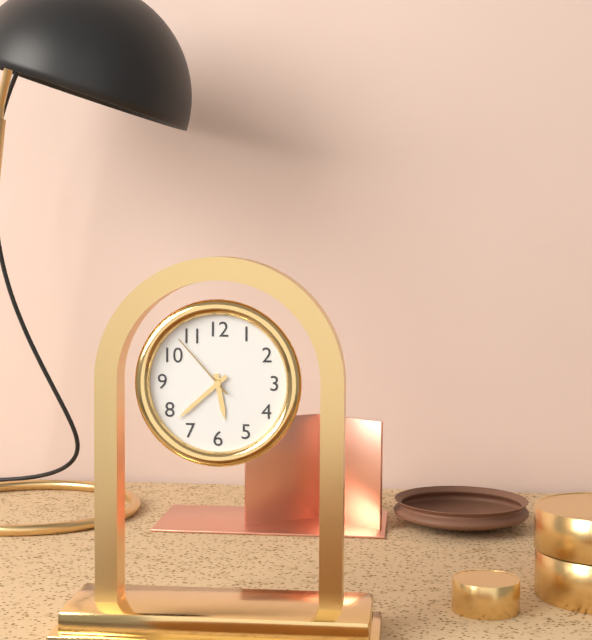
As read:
5,38,53
